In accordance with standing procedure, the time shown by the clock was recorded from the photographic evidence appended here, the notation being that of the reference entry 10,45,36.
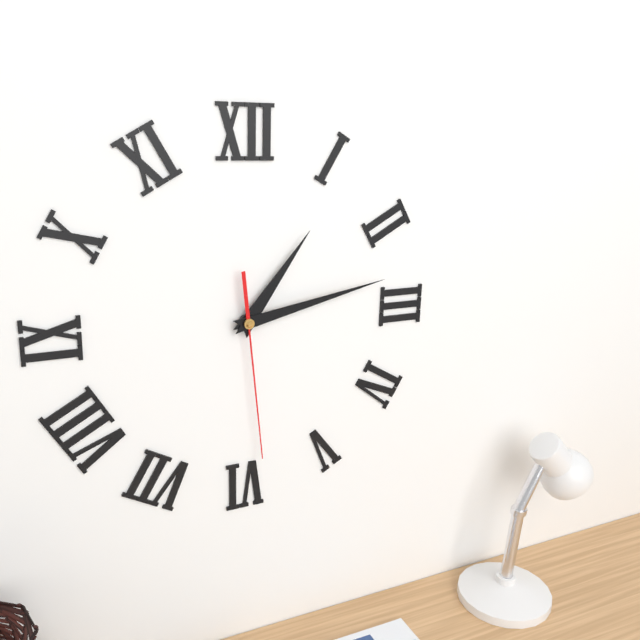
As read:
1,13,29
